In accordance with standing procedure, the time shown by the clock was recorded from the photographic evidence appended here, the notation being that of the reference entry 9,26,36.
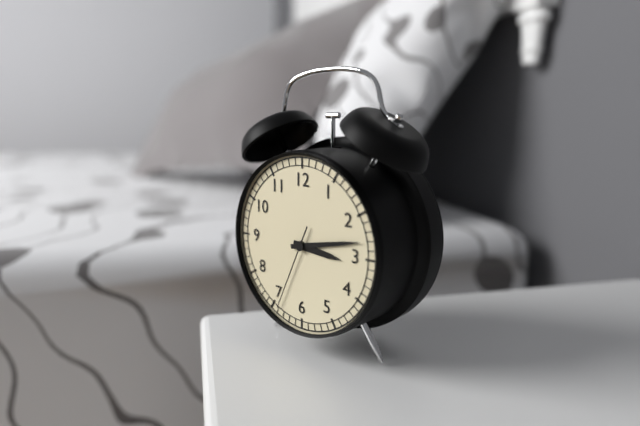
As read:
3,13,34
